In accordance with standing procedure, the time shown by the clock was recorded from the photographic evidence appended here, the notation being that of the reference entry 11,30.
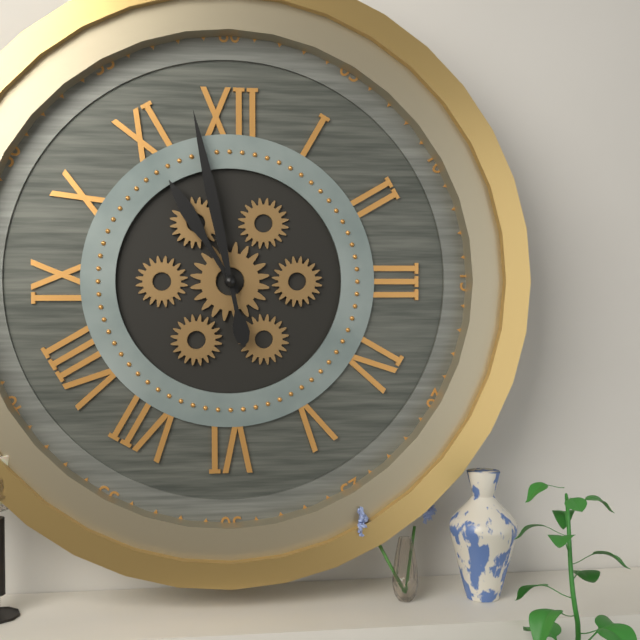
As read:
10,58
